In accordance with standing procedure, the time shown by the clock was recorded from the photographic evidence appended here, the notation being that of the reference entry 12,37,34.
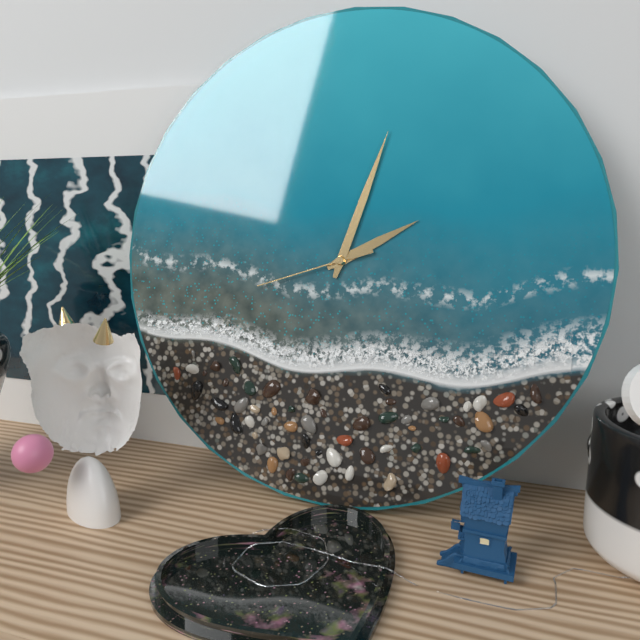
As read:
2,03,42
